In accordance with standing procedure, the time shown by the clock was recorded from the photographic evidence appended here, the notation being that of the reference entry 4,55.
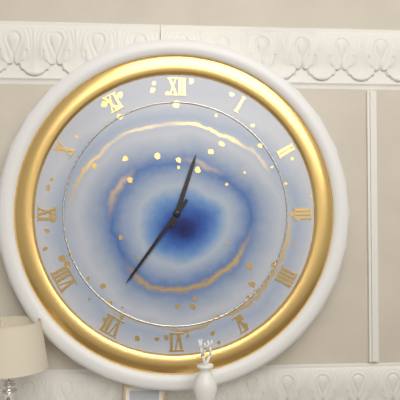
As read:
12,36
